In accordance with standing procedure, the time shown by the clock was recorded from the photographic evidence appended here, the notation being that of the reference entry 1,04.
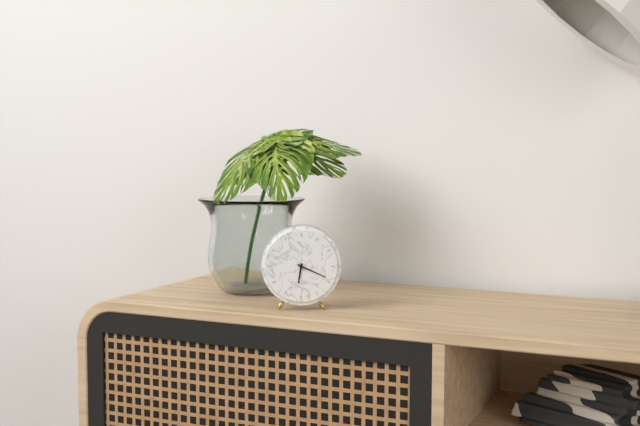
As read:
6,19
